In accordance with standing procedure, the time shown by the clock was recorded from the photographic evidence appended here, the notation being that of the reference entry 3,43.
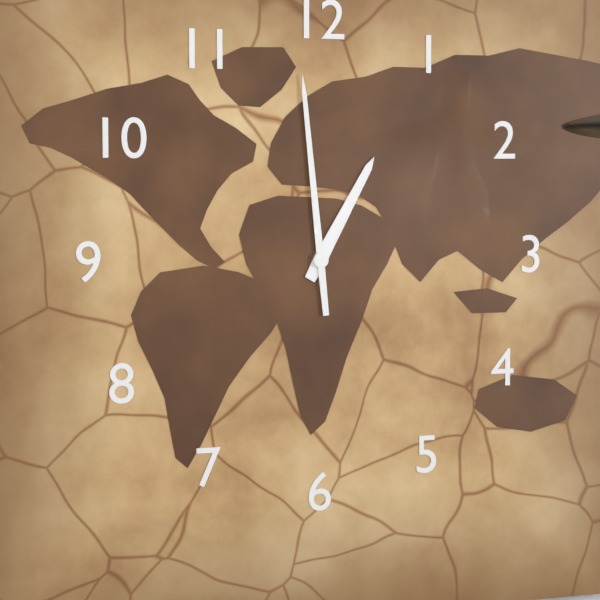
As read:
12,59
